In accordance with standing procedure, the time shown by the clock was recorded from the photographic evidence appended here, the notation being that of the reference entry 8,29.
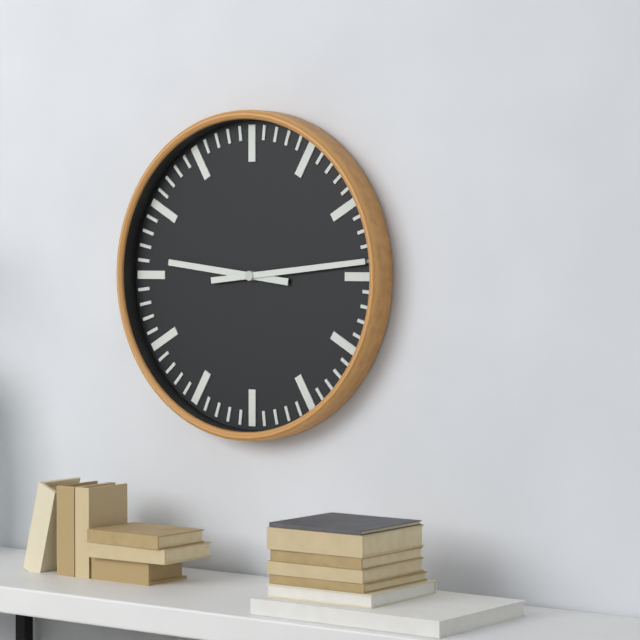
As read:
9,14
